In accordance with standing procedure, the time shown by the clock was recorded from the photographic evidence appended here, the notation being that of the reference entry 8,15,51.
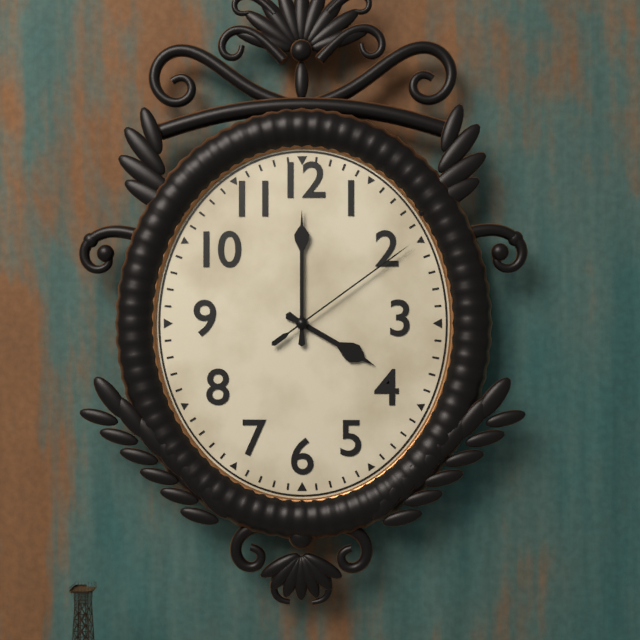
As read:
4,00,09
